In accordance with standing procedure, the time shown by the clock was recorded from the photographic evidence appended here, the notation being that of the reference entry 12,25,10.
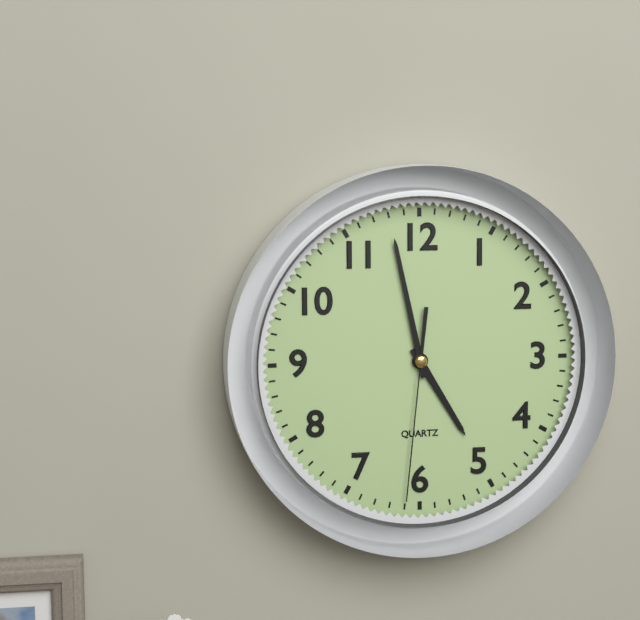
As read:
4,58,31
